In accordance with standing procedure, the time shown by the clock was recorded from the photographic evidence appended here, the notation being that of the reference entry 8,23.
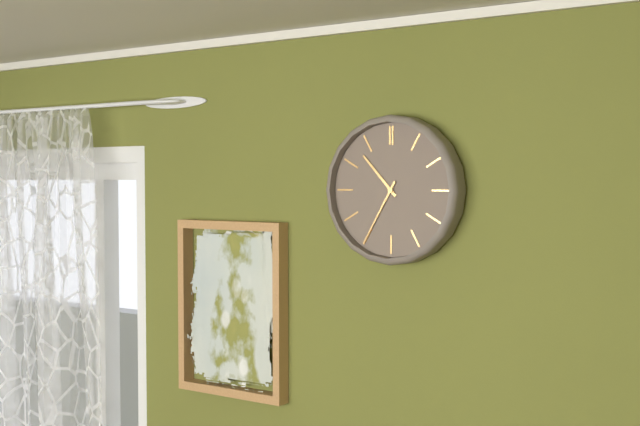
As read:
10,35
